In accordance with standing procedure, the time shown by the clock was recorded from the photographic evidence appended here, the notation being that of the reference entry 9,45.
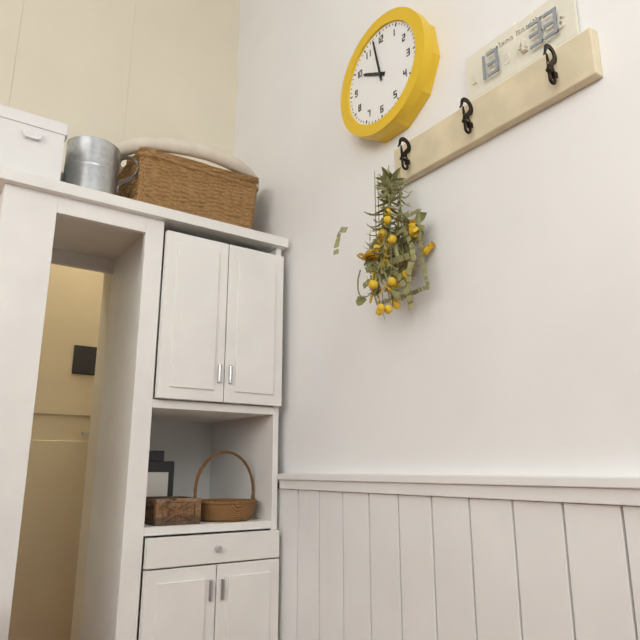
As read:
9,58
